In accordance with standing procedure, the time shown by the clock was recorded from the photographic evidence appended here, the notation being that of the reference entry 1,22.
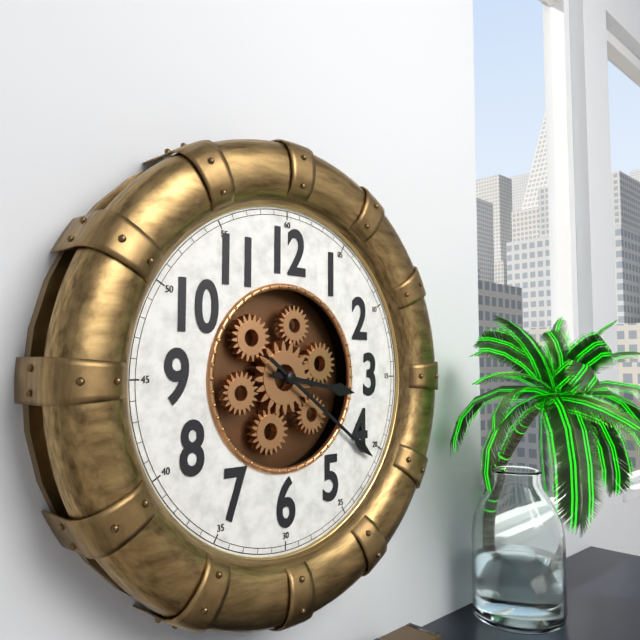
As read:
3,21
